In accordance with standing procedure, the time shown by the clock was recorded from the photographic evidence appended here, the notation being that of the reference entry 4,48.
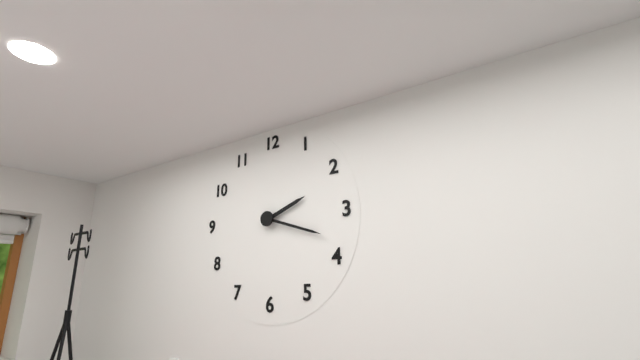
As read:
2,18
